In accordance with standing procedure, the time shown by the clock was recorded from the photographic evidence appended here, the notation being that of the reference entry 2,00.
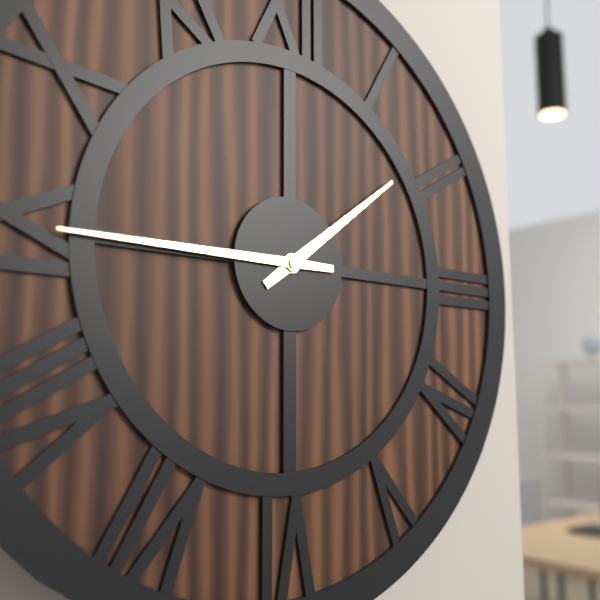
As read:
1,45
